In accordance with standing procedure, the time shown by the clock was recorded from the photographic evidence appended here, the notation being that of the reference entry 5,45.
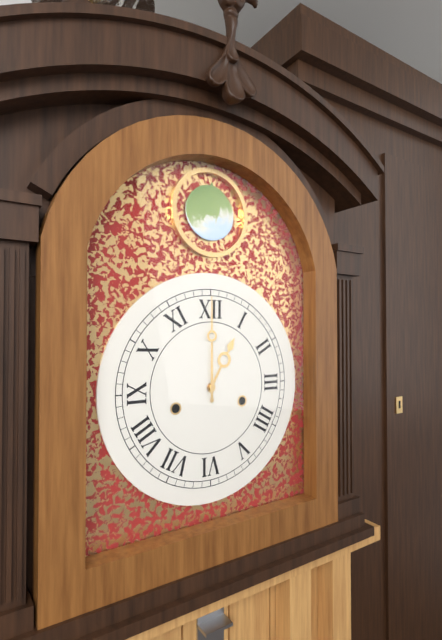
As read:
1,00
